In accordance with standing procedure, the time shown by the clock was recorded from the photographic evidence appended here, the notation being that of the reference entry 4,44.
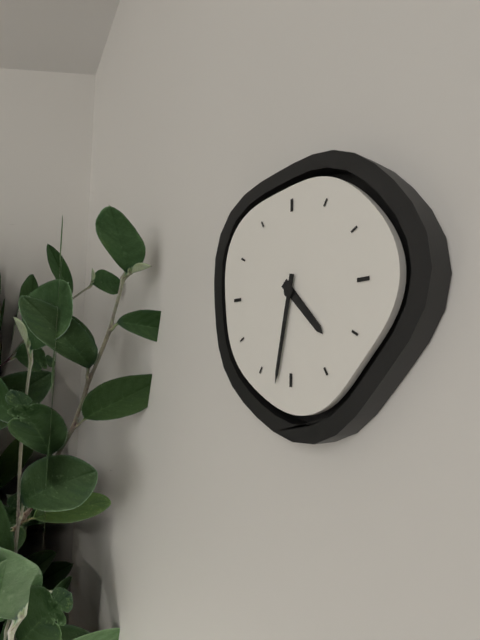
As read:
4,32
